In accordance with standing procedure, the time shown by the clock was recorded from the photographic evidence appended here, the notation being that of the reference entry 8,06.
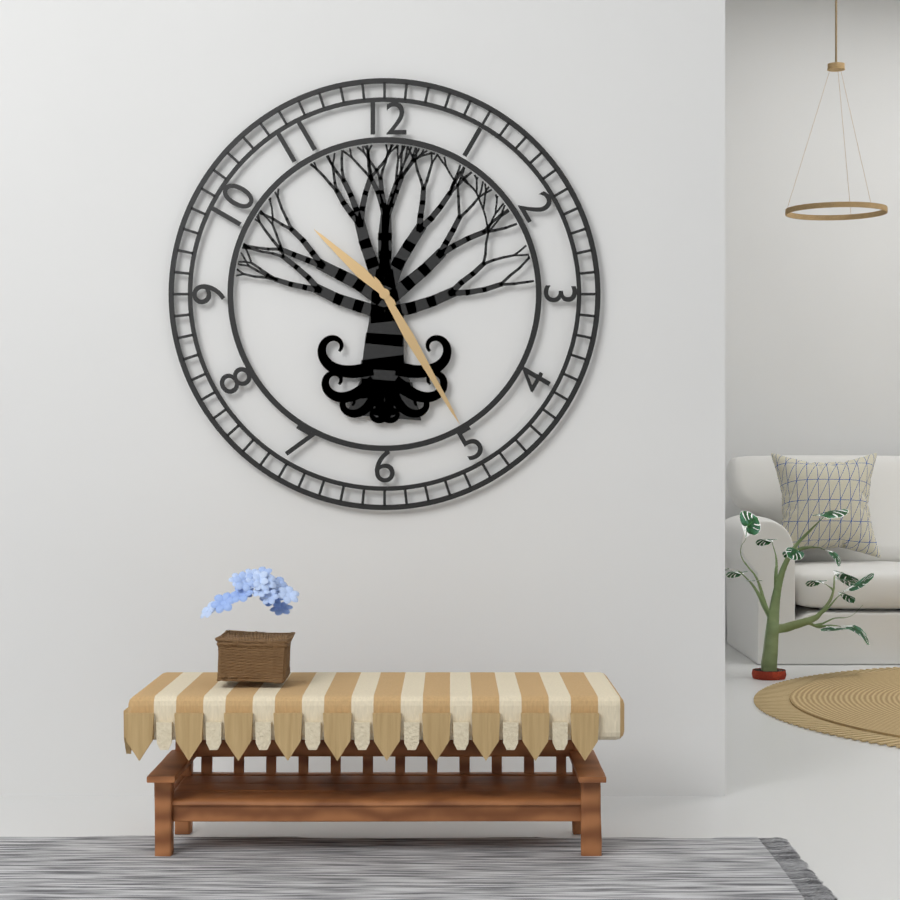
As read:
10,25
